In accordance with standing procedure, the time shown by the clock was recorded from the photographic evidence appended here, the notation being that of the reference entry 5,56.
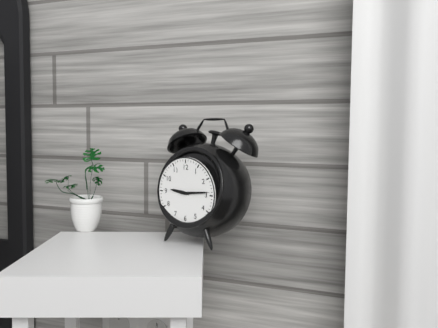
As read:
9,14
